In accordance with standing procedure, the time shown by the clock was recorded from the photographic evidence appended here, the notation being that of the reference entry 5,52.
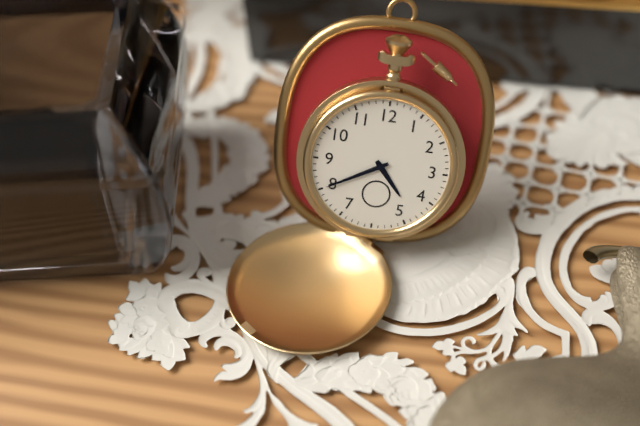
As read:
4,40
